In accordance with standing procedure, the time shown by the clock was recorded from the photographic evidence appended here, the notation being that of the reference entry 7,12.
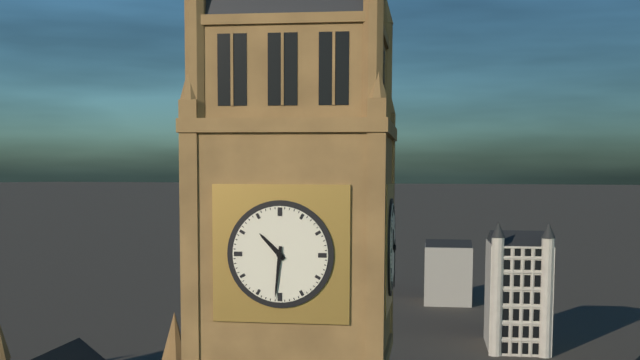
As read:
10,31
